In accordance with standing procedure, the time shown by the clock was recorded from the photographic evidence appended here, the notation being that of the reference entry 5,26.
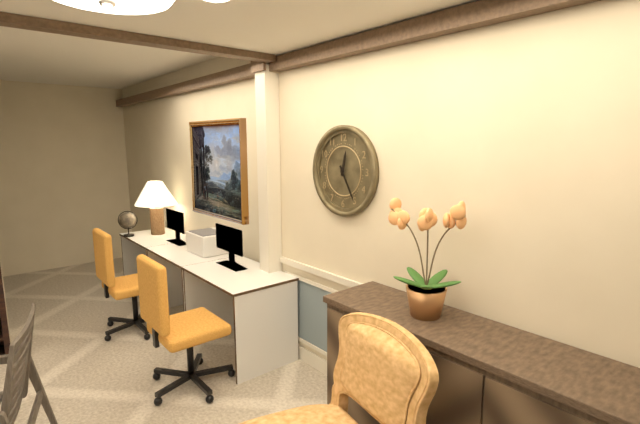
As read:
12,25
